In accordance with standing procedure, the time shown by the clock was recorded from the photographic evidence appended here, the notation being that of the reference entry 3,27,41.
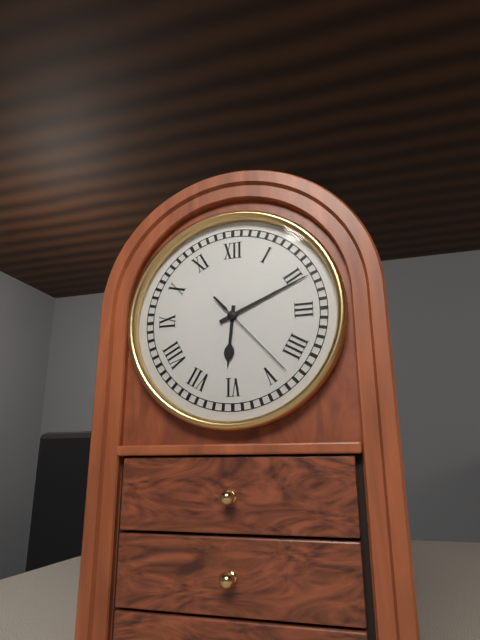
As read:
6,11,23
